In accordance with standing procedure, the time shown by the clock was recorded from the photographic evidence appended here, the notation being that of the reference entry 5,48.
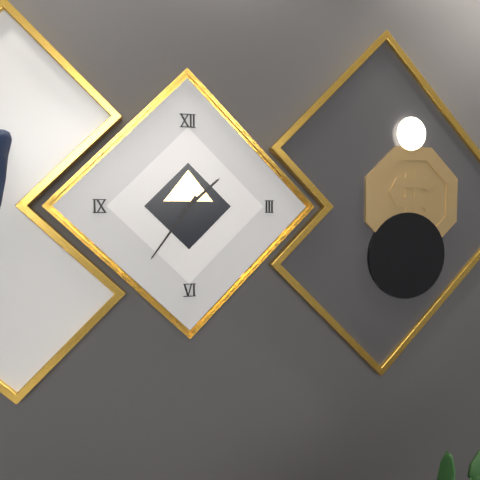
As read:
1,36
